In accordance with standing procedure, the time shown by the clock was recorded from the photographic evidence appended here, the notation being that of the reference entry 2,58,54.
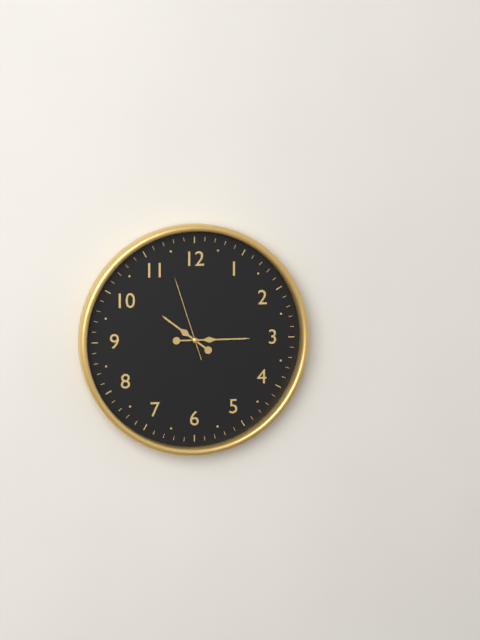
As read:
10,15,57
